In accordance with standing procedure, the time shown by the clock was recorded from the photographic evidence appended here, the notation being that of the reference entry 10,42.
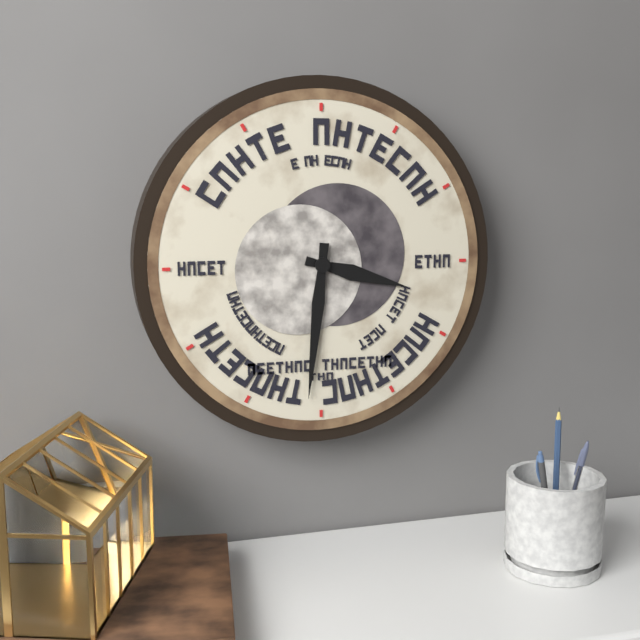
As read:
3,31
